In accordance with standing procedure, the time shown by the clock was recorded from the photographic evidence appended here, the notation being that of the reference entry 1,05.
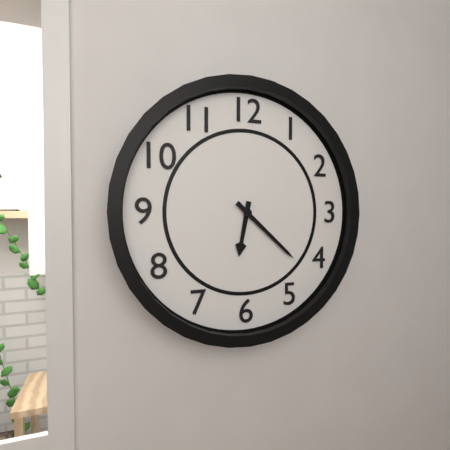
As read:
6,22
